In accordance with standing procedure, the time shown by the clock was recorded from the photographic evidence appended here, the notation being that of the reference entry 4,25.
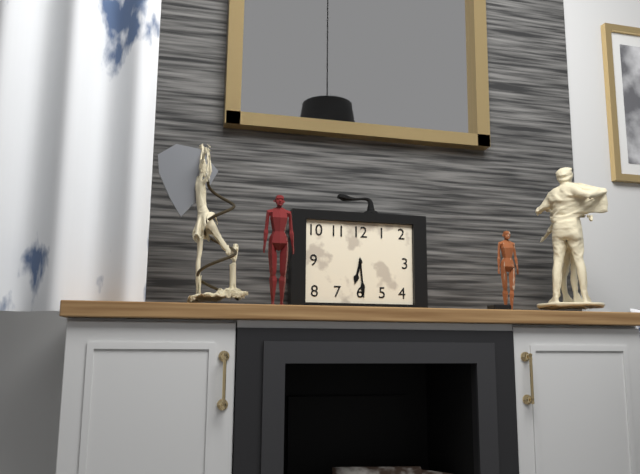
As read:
6,29
